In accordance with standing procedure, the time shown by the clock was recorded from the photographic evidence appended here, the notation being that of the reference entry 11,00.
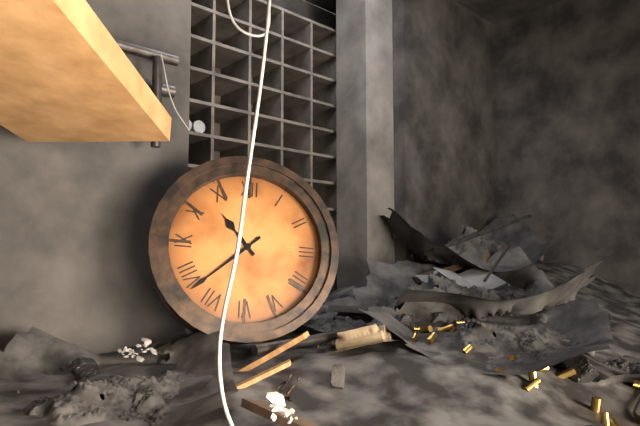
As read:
10,38
